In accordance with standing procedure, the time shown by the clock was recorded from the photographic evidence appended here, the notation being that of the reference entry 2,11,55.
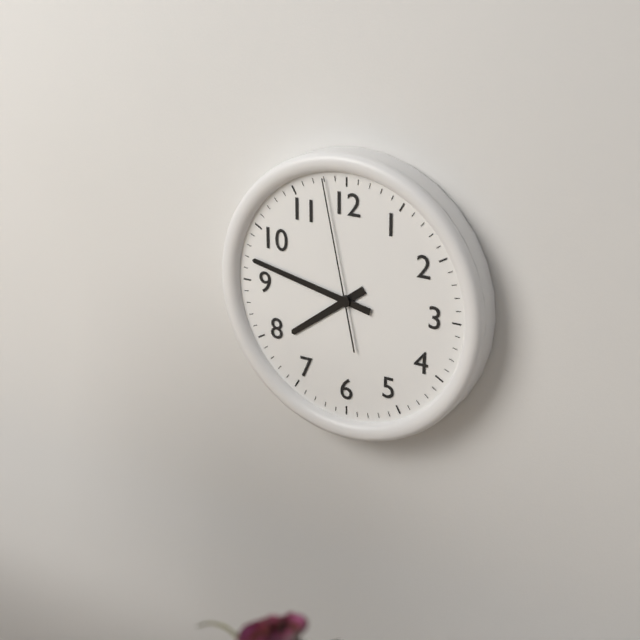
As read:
7,47,58
